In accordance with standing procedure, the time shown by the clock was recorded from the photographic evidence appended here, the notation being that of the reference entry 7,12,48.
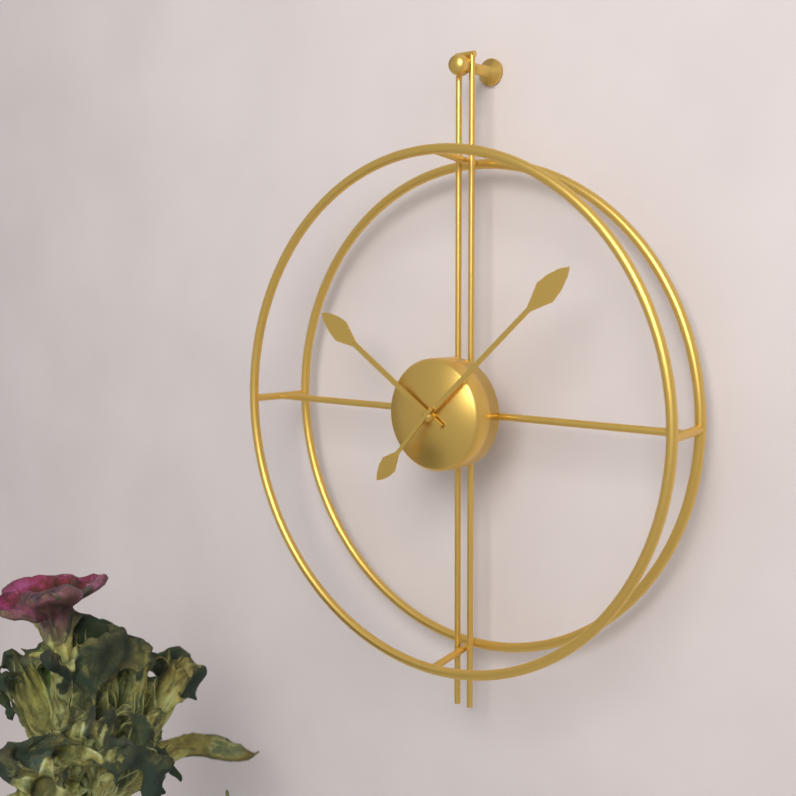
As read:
10,08,37
